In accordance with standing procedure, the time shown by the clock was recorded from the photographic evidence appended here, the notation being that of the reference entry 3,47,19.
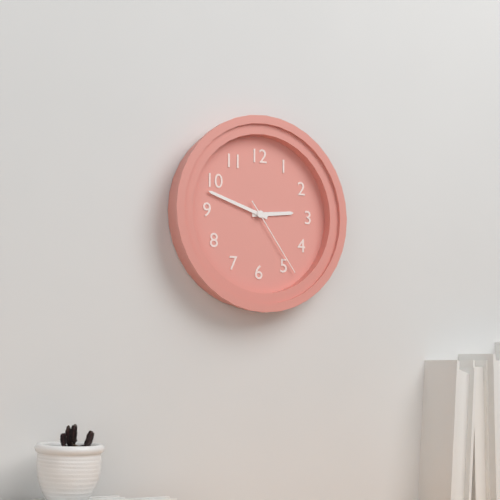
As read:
2,48,24
